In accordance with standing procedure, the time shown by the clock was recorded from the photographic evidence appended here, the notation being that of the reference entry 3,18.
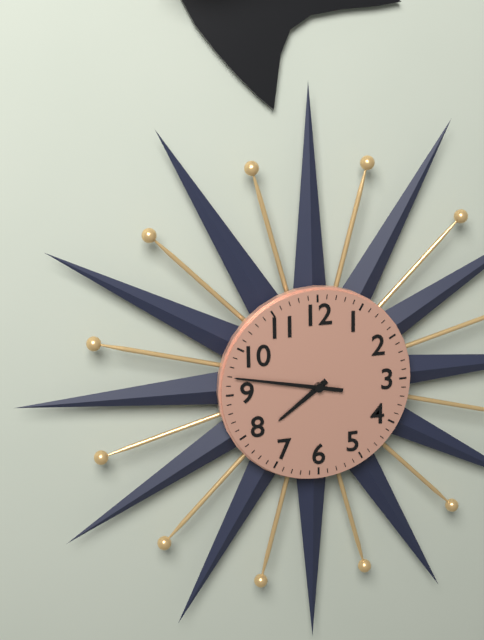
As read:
7,47
